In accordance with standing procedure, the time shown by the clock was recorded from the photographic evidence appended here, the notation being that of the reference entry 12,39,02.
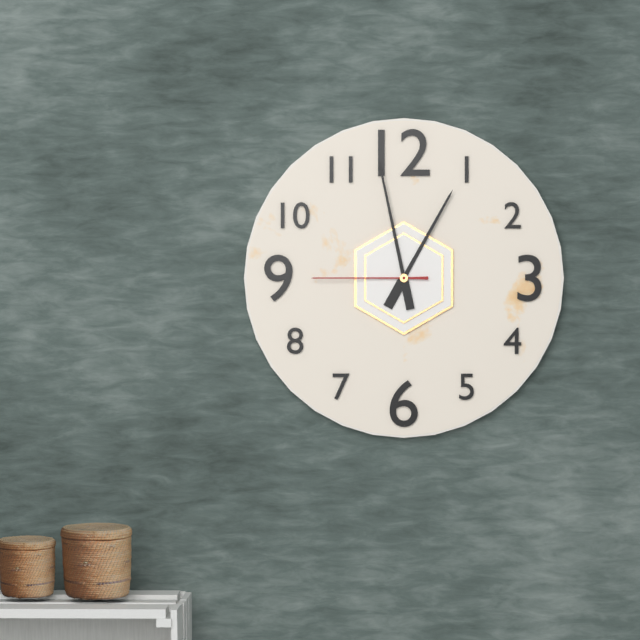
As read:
12,58,45
